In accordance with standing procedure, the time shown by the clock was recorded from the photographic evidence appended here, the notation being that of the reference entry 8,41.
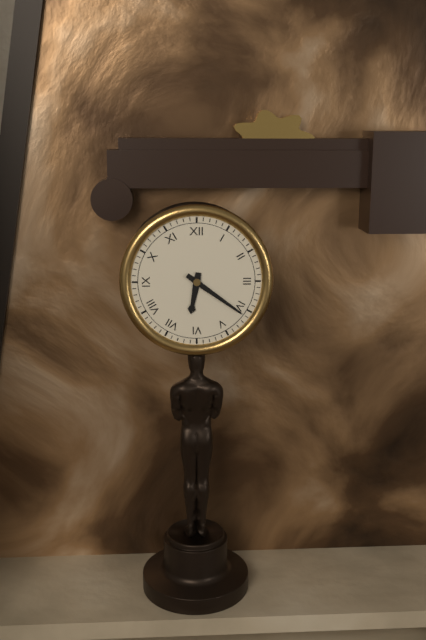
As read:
6,21
